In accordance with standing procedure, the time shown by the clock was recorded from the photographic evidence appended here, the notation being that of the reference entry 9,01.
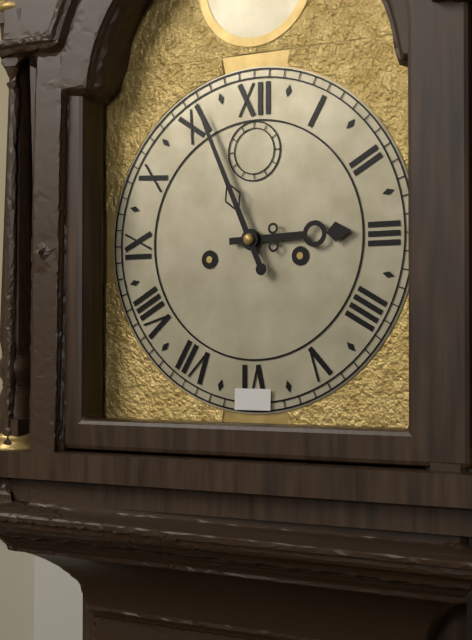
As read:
2,56
